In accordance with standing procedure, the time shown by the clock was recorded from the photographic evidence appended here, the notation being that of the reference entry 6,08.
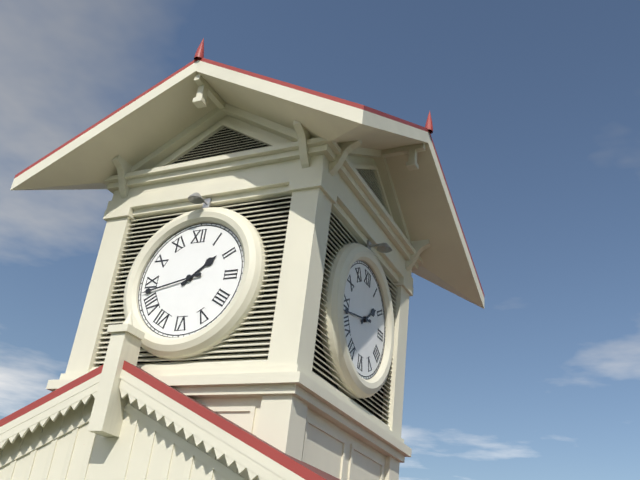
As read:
1,43
